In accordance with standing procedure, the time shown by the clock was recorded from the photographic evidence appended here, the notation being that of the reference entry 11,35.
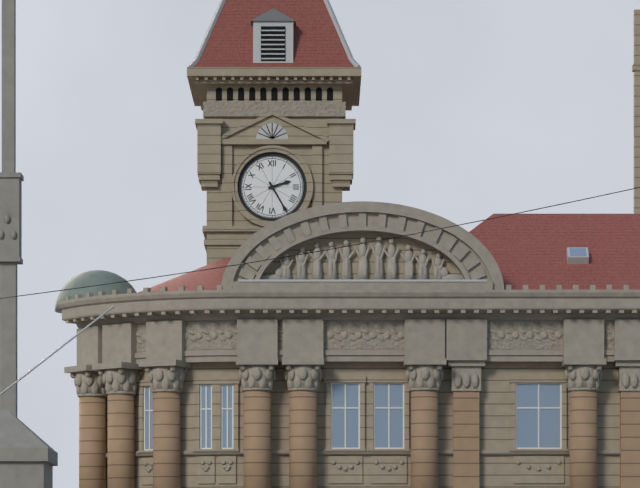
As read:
2,25
